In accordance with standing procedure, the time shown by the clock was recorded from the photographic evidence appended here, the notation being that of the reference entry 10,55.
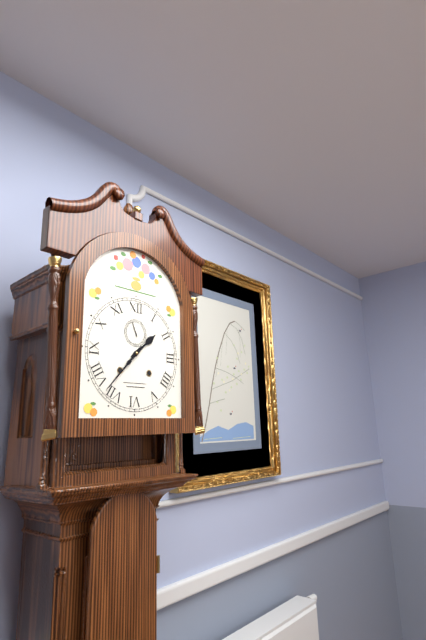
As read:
1,37
